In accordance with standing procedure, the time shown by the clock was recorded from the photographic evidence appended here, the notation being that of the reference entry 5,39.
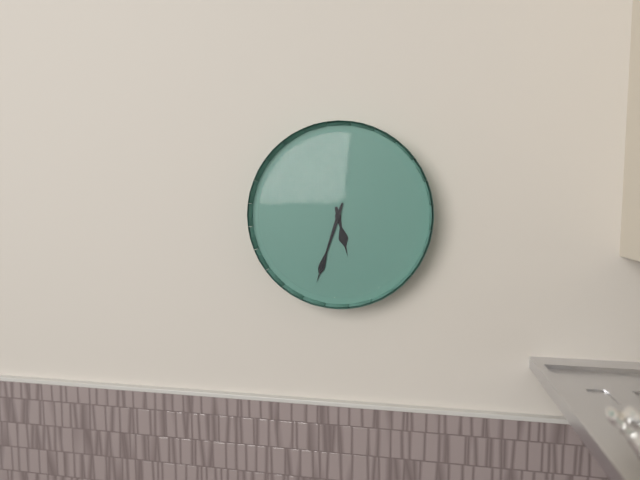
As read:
5,33
